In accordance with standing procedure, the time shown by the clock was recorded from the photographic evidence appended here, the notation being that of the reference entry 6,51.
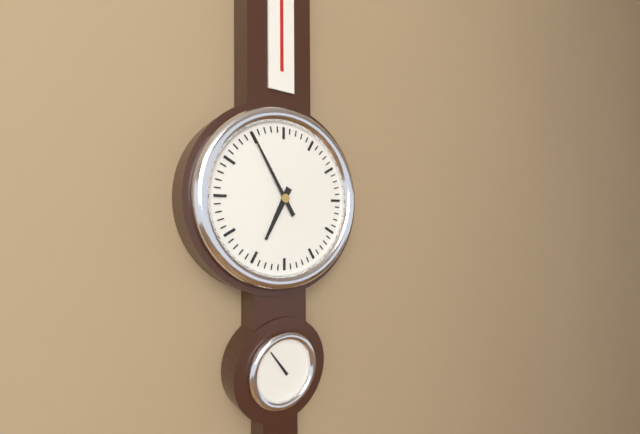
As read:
6,55
